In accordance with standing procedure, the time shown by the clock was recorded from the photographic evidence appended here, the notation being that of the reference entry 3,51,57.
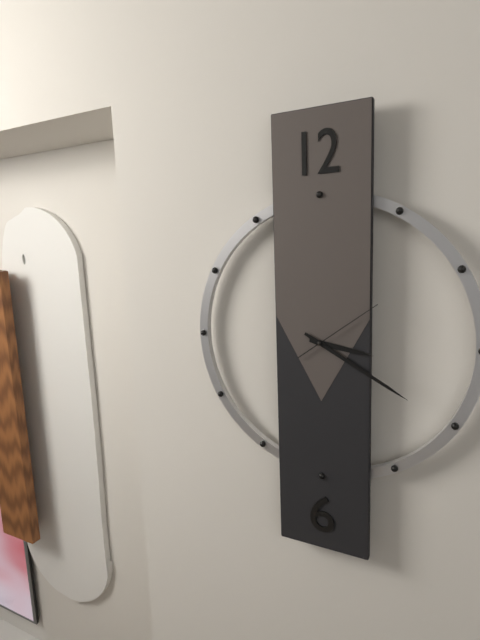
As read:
3,20,09
